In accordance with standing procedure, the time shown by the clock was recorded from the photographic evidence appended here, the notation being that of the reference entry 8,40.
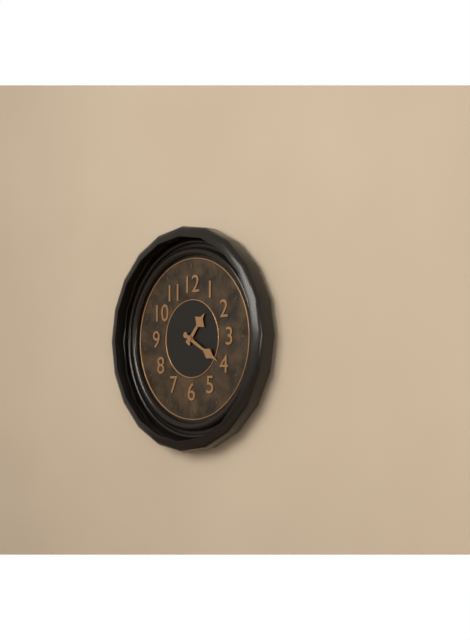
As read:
1,20
